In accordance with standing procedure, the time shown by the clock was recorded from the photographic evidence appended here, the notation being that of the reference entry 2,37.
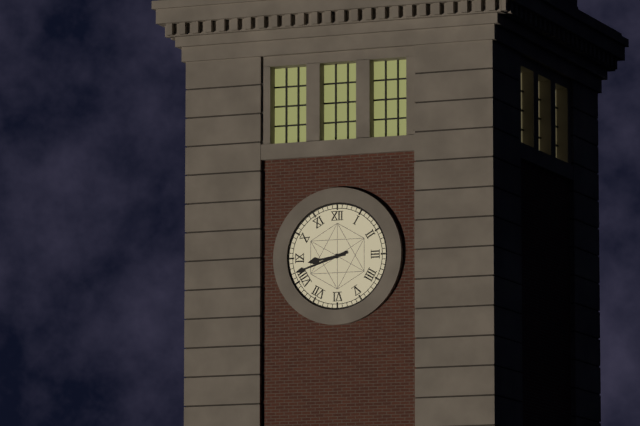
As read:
8,42
